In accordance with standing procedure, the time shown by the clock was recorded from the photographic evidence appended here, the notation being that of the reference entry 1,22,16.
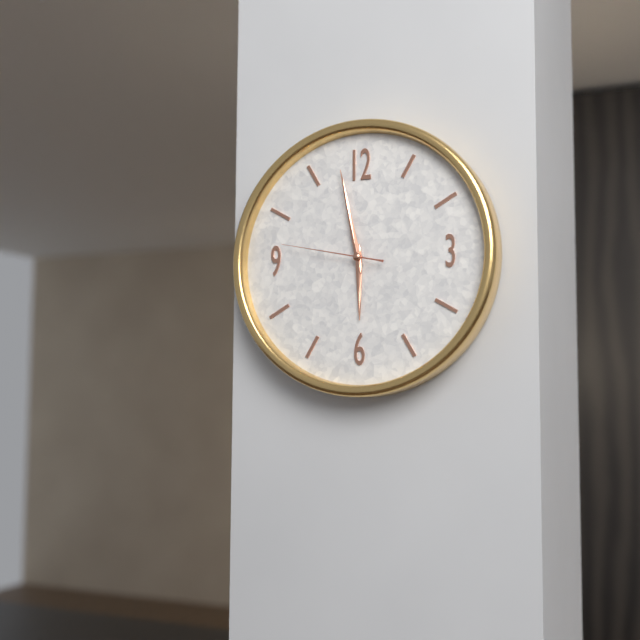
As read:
5,58,47
